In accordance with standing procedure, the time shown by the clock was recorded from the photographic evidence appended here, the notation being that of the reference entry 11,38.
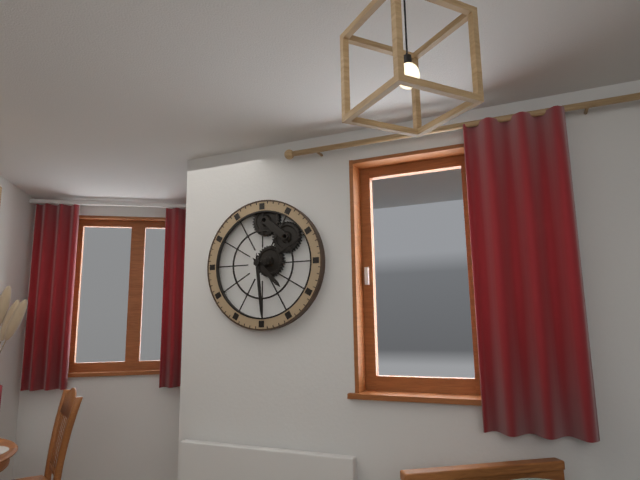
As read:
4,29
